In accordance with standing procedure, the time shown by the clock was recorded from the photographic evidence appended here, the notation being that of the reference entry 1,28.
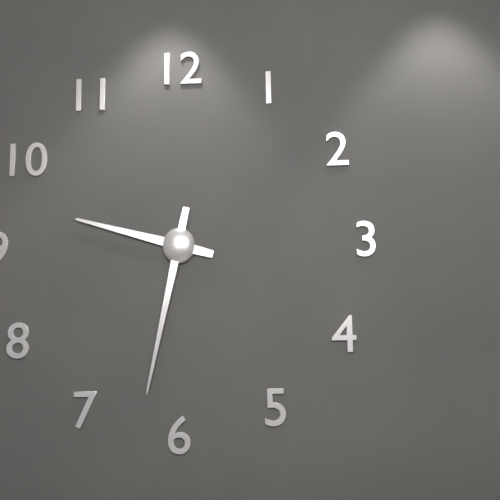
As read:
9,32
